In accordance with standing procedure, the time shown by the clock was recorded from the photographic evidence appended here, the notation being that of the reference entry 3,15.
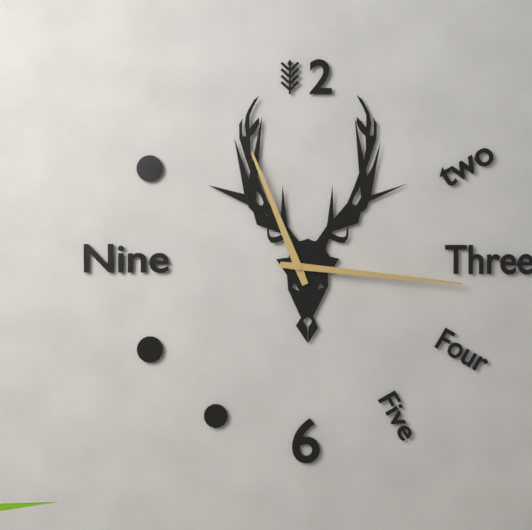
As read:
11,16
